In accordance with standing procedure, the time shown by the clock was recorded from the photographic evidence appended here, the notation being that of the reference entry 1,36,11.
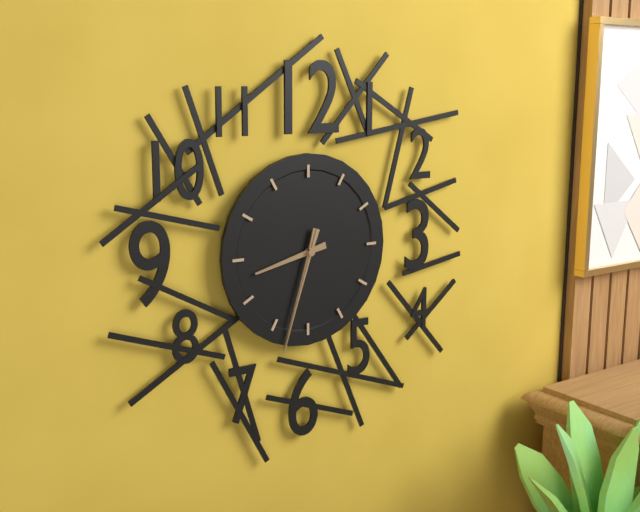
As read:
8,33,33
